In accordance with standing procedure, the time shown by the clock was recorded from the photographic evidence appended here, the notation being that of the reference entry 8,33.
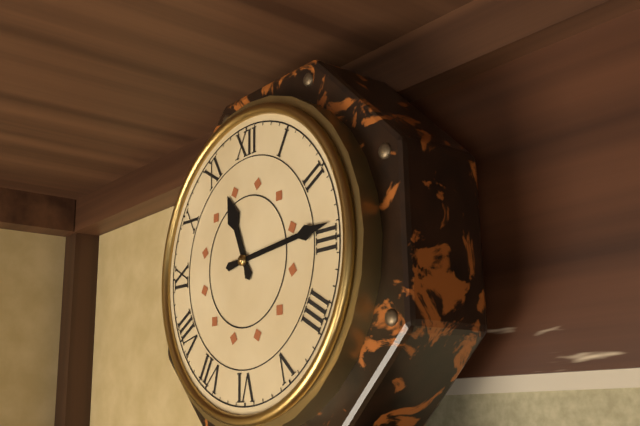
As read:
11,14
